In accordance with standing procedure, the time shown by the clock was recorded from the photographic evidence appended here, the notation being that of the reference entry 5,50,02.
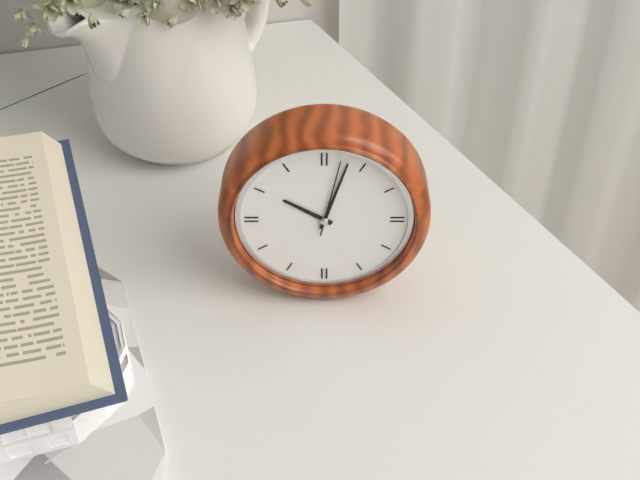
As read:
10,03,02
